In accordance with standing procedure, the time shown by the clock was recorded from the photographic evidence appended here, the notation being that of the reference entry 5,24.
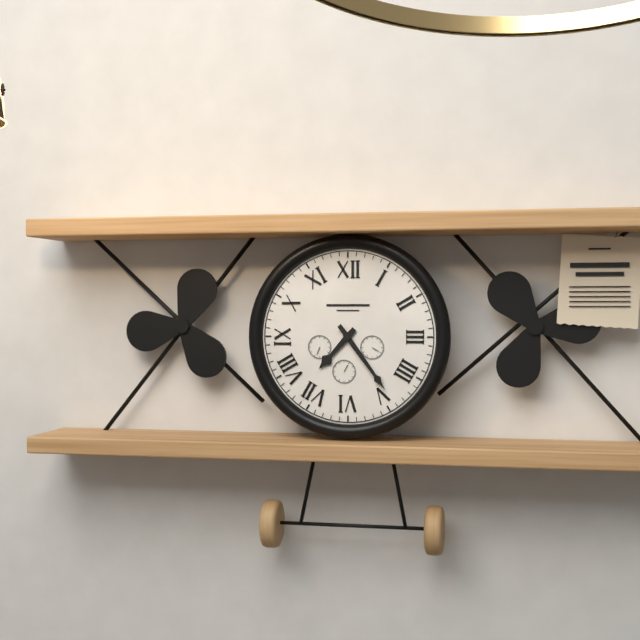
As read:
7,24
